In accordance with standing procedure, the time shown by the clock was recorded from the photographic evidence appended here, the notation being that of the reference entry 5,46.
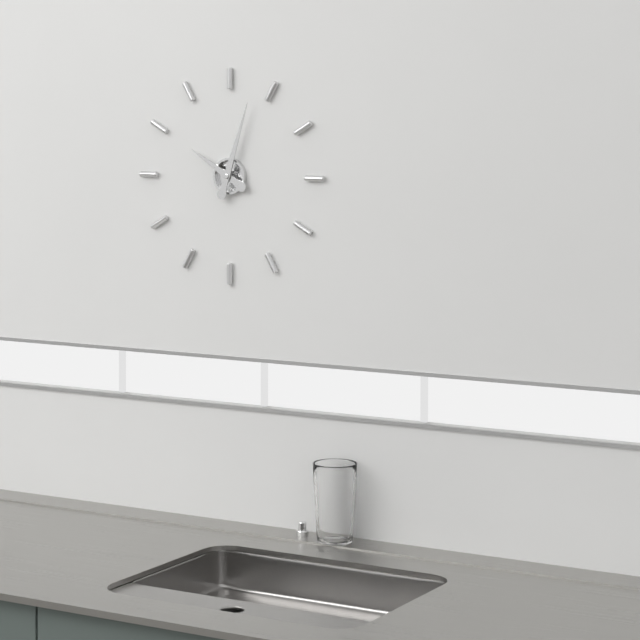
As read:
10,03
